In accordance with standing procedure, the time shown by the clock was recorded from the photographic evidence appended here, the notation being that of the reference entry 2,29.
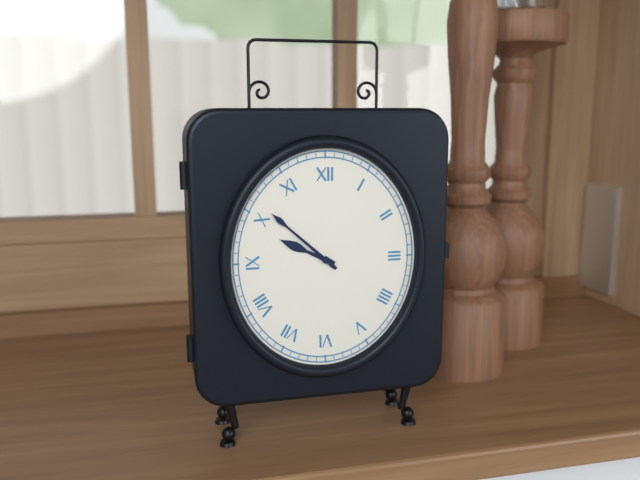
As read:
9,52
